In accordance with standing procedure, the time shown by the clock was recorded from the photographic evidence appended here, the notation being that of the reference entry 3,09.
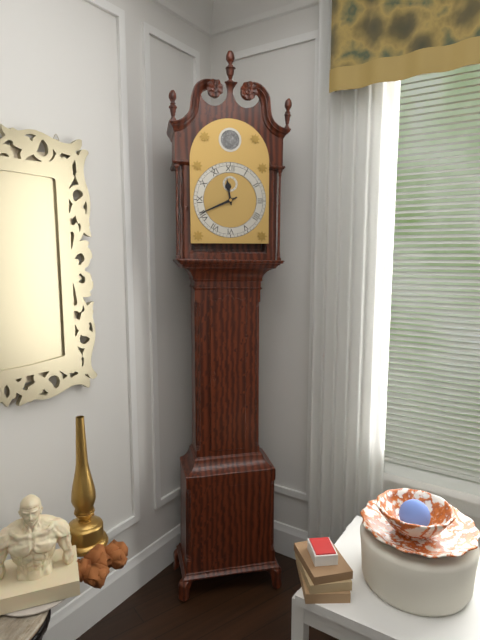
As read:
11,41
